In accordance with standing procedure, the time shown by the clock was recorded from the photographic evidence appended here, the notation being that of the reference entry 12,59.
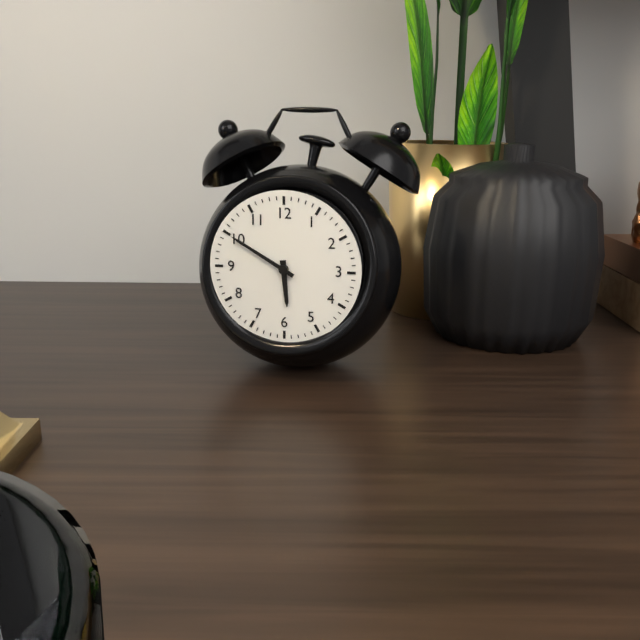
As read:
5,50
